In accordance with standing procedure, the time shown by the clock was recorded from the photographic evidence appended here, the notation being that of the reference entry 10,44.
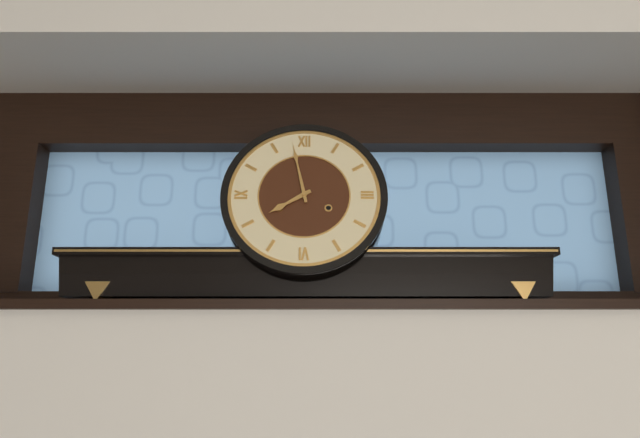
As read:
7,58
